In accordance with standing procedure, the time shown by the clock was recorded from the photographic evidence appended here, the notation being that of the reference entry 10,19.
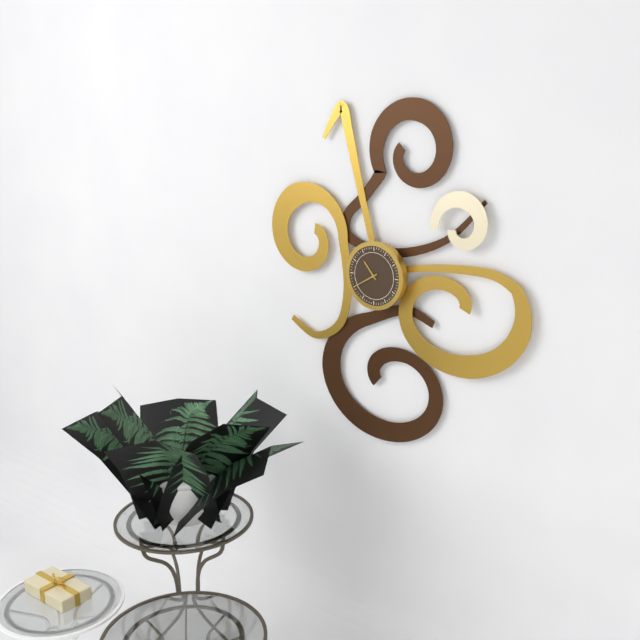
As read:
10,40
